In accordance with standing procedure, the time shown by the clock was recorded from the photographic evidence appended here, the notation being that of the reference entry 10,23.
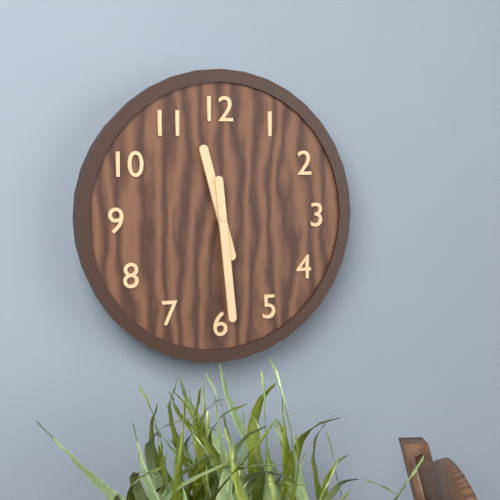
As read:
11,29
